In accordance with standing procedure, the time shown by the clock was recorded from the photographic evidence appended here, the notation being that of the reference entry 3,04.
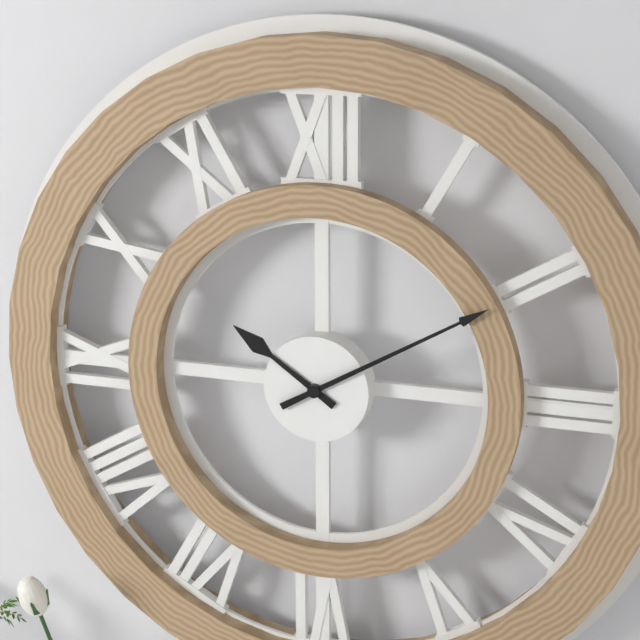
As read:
10,10
